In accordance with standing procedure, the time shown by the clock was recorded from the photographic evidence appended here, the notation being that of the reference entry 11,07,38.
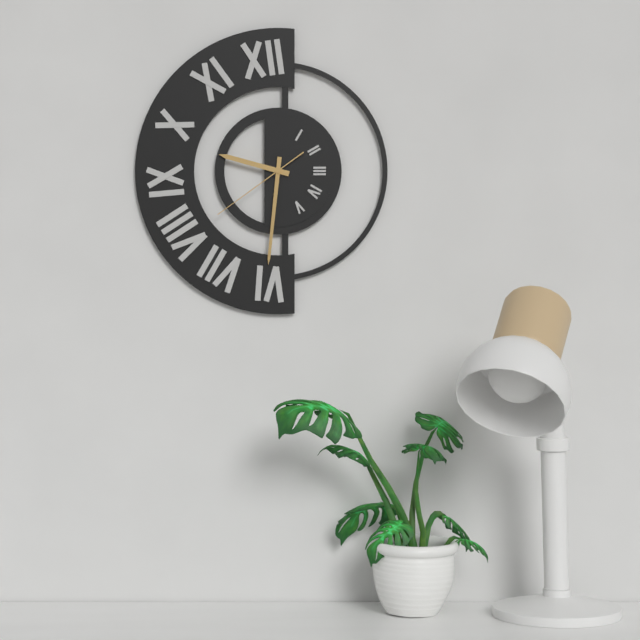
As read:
9,31,39
